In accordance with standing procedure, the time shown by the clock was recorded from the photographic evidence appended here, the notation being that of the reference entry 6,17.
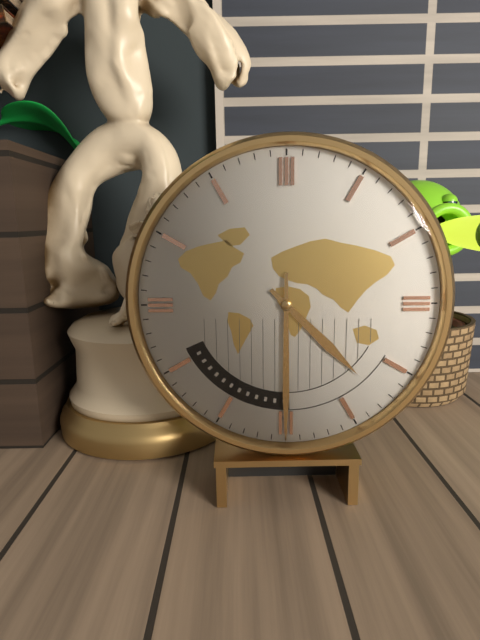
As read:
4,30
